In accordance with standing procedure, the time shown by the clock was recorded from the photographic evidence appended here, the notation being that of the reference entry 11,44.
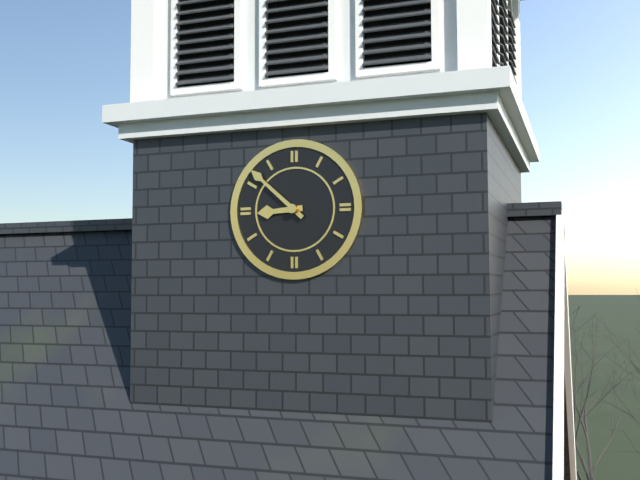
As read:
8,52
